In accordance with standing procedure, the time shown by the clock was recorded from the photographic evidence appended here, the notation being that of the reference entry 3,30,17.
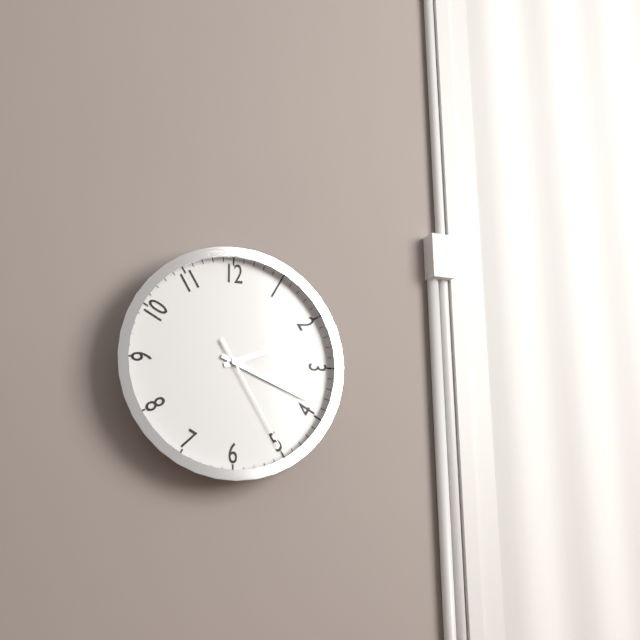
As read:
2,19,25
